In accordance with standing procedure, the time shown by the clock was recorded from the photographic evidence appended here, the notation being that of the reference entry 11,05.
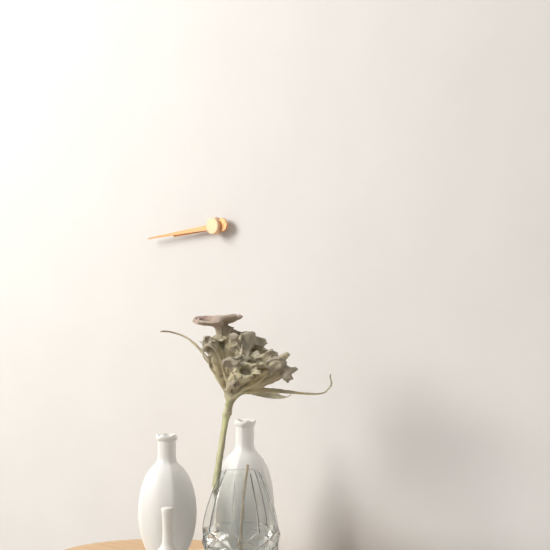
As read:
8,44
